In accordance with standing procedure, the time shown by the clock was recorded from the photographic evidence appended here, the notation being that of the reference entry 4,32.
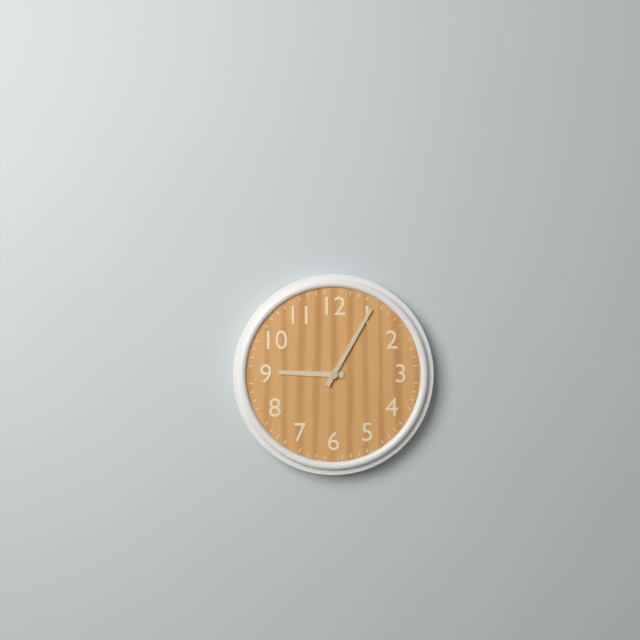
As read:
9,05
